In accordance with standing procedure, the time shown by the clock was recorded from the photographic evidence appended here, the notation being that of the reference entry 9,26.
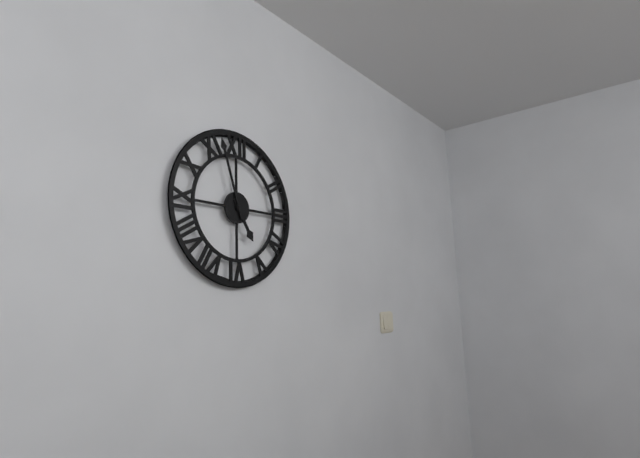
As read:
4,57
